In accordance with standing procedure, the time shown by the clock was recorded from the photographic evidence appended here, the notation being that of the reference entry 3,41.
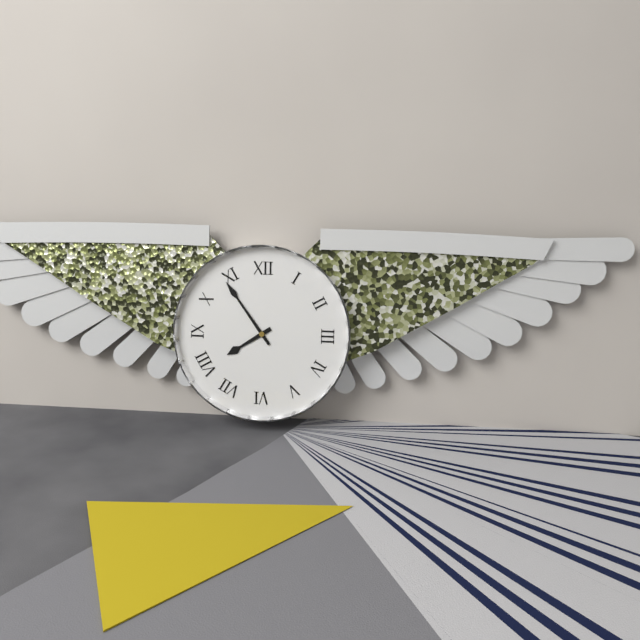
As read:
7,54
